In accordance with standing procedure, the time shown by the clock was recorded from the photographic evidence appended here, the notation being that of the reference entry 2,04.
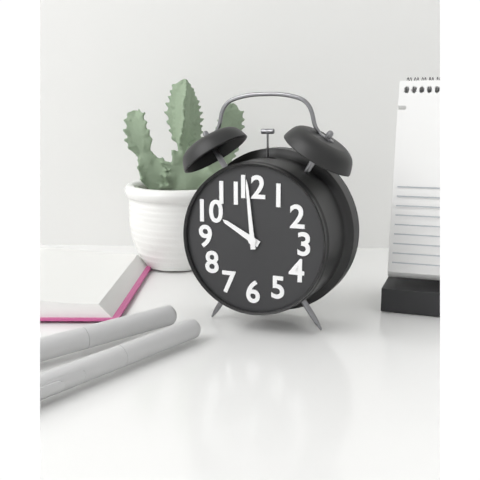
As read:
9,59
